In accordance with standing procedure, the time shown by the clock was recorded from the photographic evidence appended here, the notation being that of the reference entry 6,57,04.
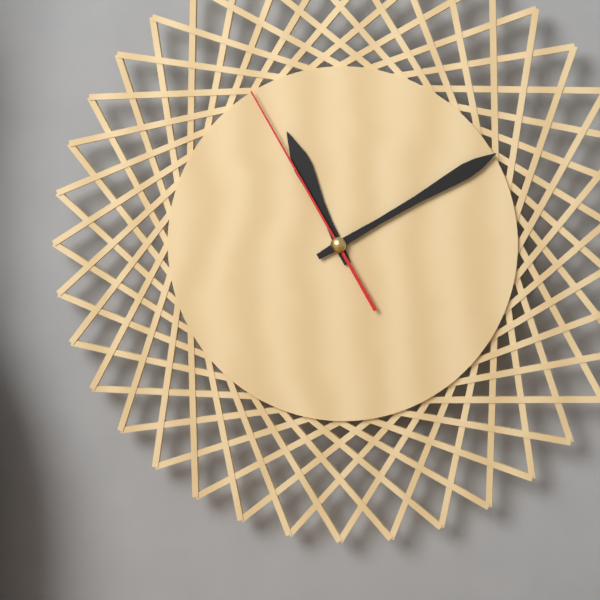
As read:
11,10,55
